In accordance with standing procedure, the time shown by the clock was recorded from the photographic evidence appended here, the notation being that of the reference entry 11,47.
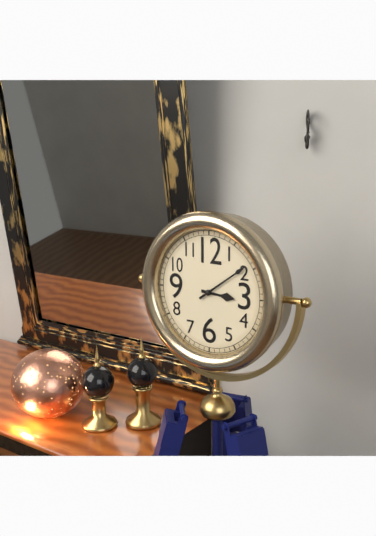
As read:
3,09
